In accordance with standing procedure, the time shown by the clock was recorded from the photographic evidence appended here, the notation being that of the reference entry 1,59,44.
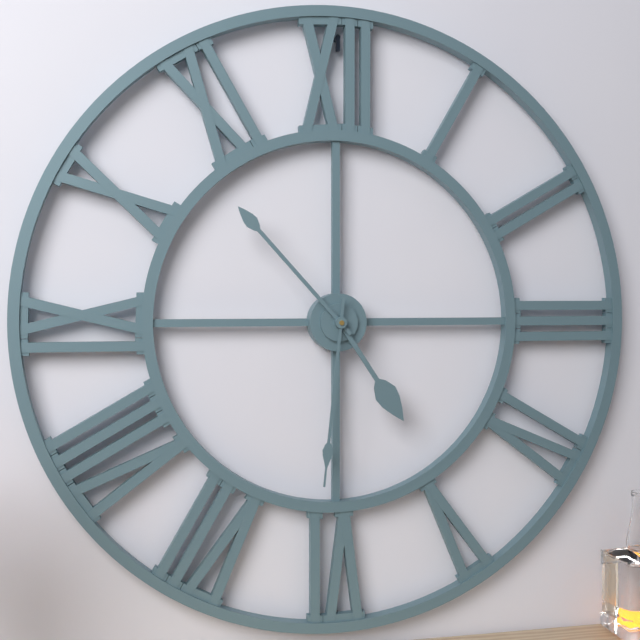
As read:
4,53,31
